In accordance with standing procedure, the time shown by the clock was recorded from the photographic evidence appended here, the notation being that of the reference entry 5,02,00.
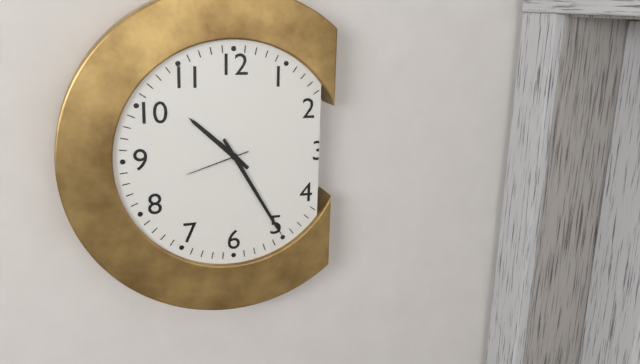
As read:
10,25,42
